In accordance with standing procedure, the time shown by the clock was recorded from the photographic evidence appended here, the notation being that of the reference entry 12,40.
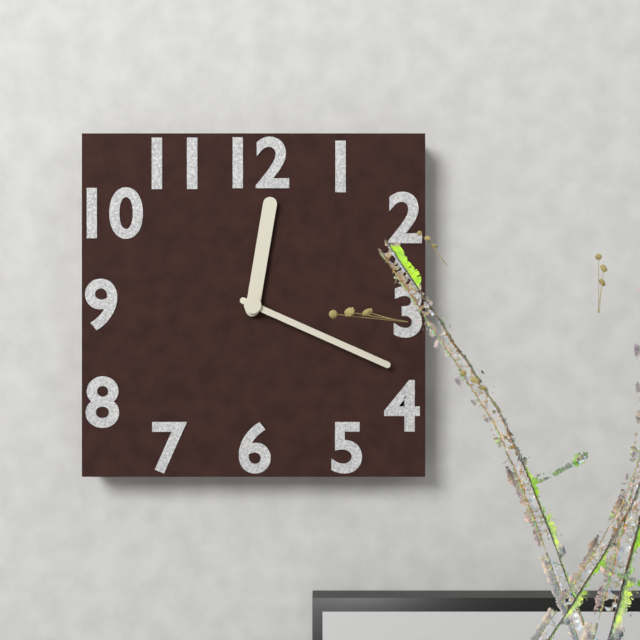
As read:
12,19
